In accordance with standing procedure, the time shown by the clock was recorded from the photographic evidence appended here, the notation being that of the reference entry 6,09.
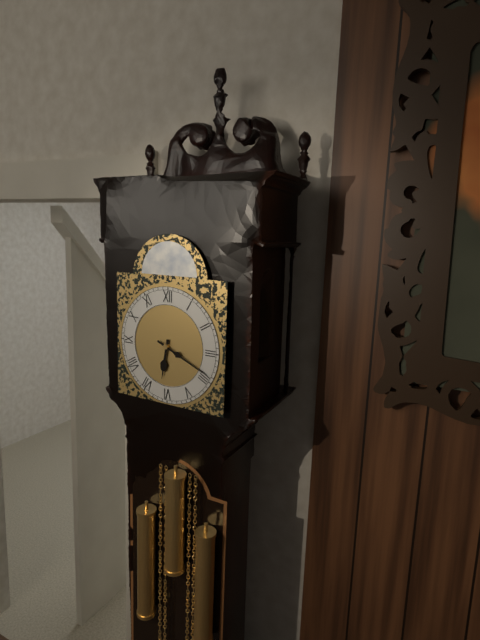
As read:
6,19
